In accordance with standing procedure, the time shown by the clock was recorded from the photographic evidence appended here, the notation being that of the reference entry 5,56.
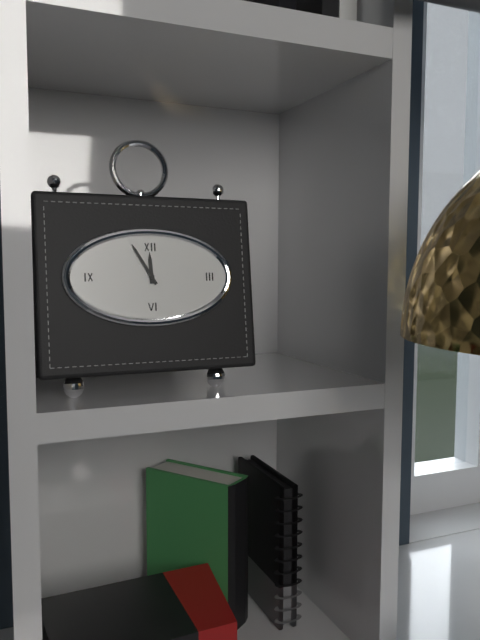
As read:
11,55
